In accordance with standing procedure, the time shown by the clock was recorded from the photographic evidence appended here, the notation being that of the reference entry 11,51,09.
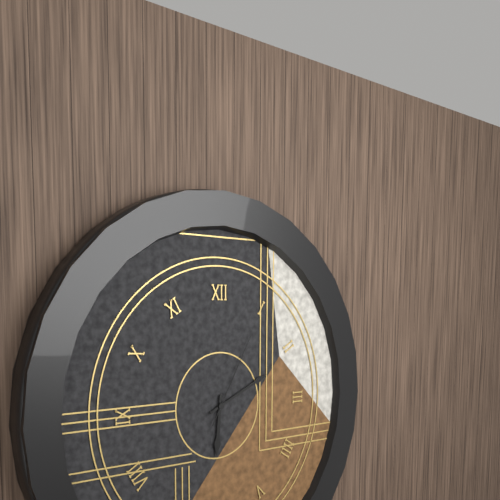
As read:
6,11,05
